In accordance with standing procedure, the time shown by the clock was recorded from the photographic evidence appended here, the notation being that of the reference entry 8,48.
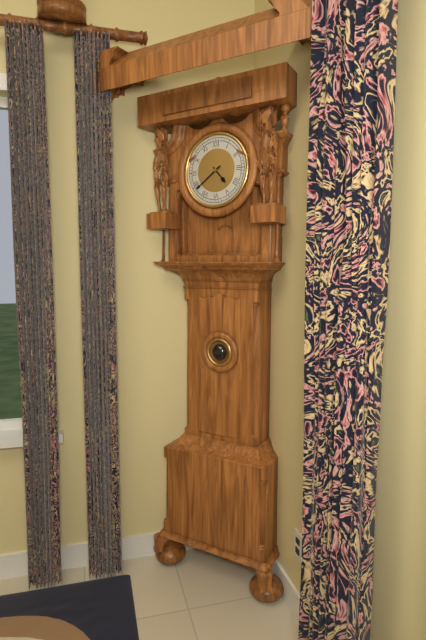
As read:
4,39
